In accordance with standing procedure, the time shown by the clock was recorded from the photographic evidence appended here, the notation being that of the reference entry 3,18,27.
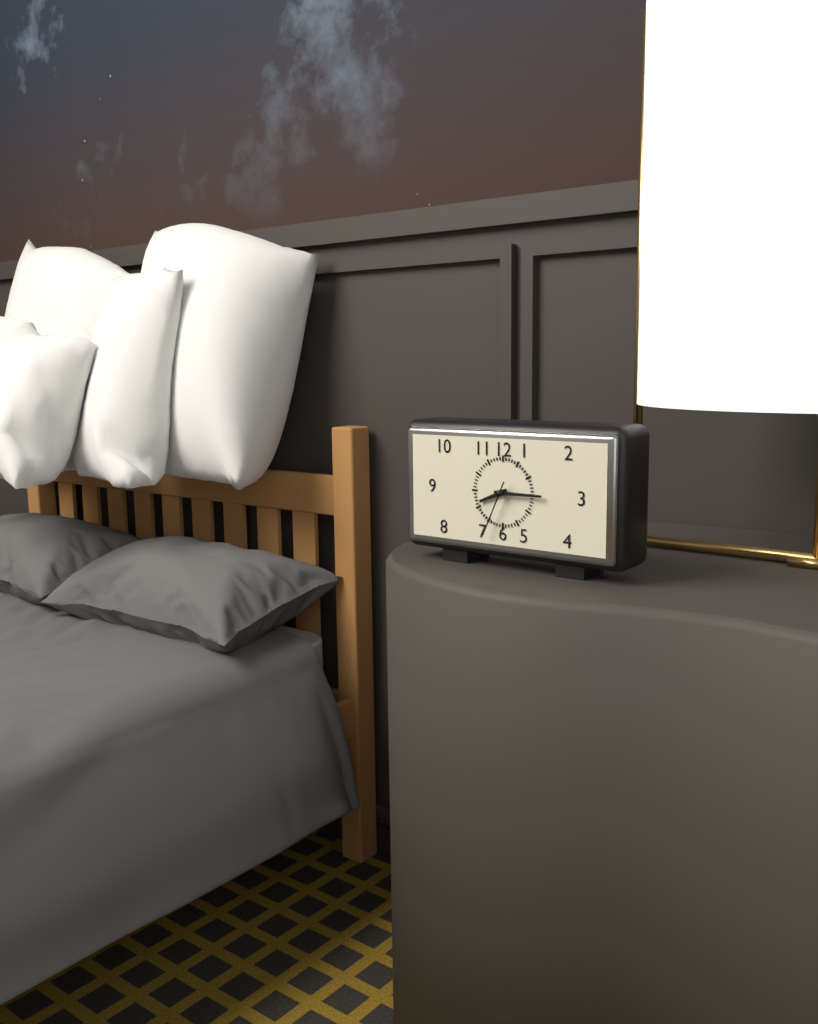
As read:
8,15,34
